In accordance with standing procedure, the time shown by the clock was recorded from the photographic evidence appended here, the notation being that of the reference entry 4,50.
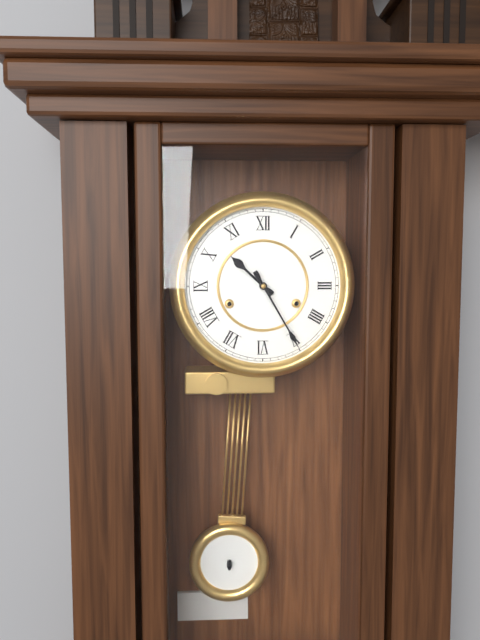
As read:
10,25
